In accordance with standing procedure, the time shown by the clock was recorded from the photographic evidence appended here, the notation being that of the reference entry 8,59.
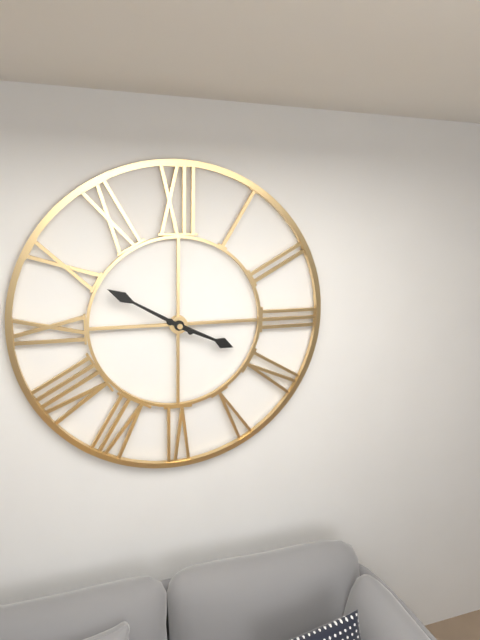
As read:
3,50
